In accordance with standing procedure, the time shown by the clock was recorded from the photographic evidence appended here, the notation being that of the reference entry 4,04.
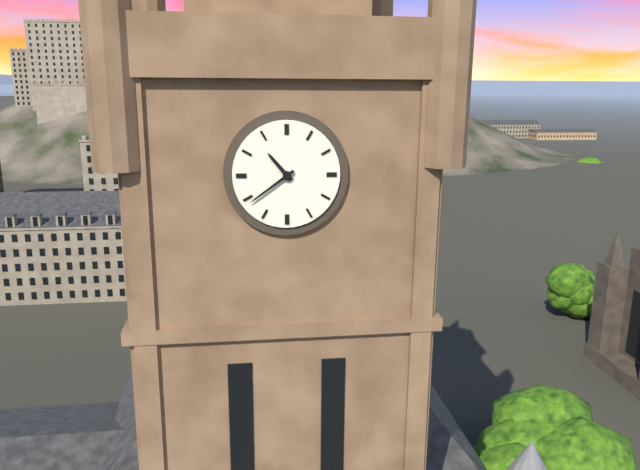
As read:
10,39
